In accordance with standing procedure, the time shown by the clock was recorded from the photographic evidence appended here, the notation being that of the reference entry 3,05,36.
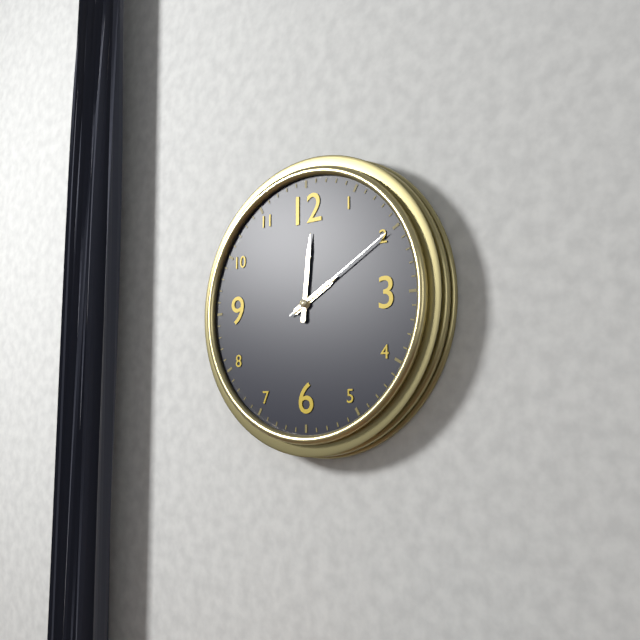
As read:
2,01,10
